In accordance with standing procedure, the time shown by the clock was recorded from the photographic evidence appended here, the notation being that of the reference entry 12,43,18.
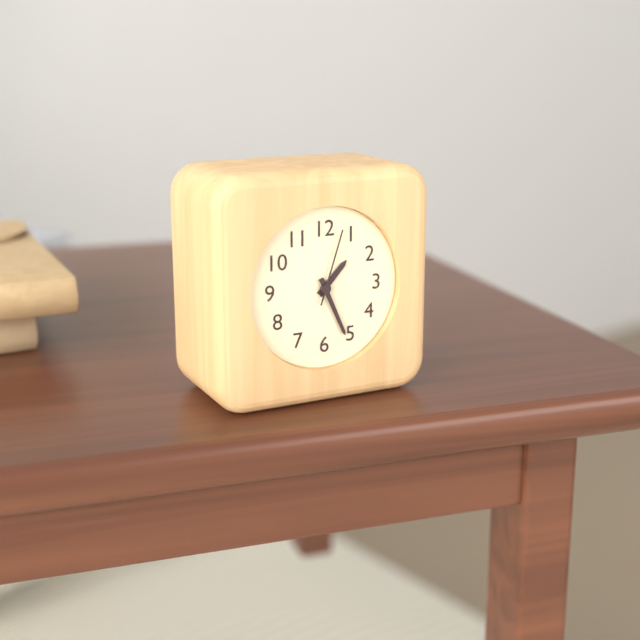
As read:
1,26,03
